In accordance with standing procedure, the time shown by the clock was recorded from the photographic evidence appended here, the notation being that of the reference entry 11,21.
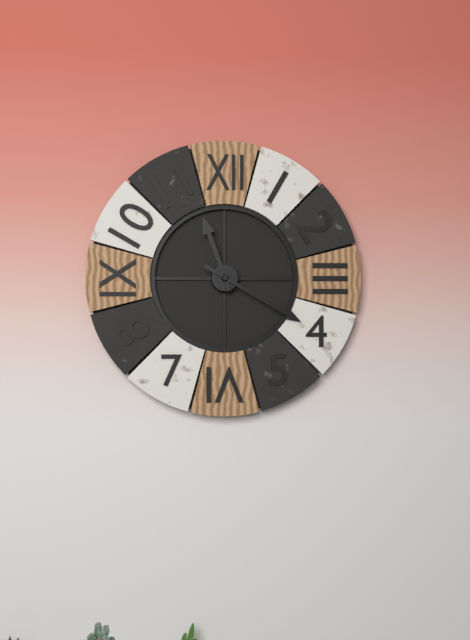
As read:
11,20
